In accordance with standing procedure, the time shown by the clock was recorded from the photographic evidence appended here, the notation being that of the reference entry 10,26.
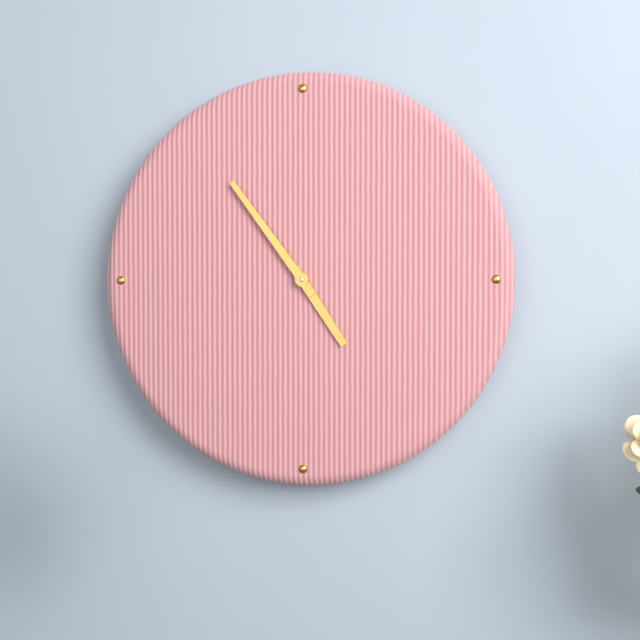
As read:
4,54
